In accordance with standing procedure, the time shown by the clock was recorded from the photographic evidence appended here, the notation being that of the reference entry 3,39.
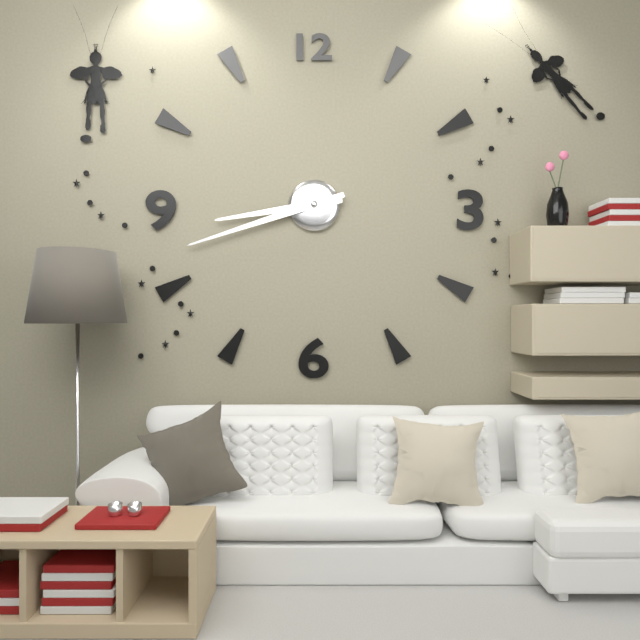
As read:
8,42
